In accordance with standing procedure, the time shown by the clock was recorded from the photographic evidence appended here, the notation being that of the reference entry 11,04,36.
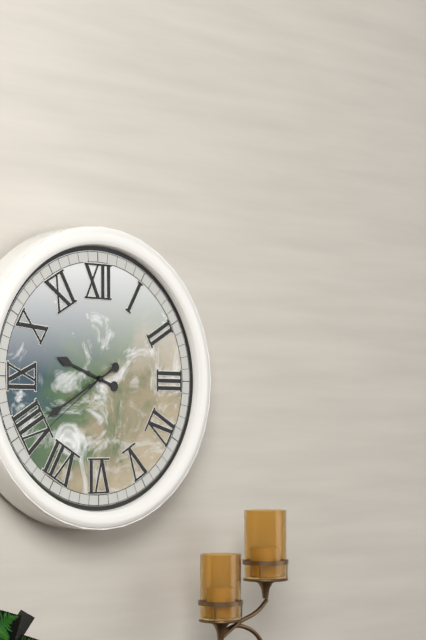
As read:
9,40,39
